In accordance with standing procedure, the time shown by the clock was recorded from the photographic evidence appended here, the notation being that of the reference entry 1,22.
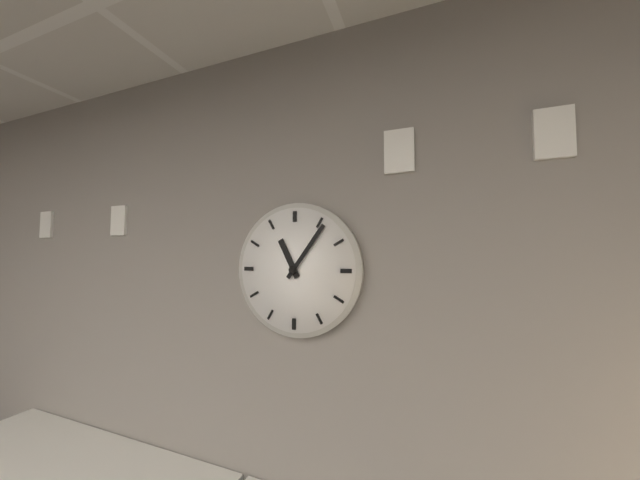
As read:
11,06
